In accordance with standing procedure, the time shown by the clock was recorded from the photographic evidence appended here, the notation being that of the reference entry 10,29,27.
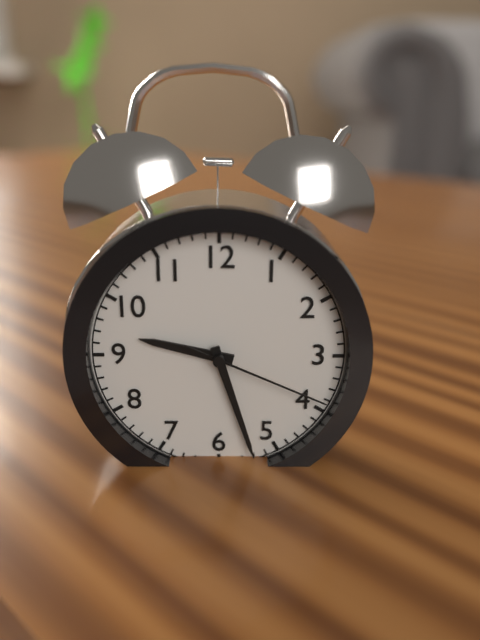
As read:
9,27,19
